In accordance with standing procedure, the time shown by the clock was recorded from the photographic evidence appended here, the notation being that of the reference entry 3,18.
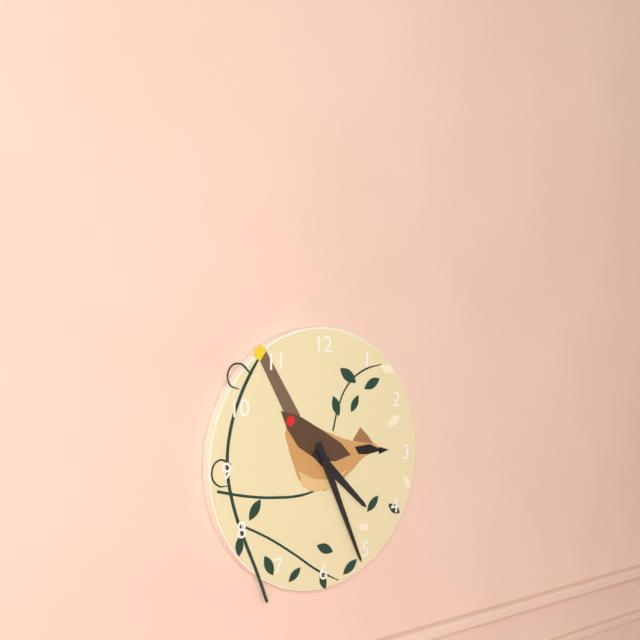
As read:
4,26
